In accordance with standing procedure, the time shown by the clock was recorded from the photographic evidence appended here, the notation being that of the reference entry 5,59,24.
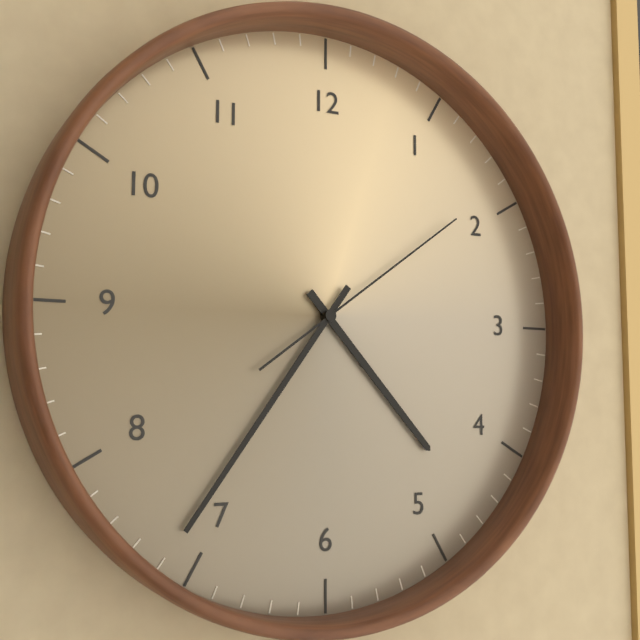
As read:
4,36,09
